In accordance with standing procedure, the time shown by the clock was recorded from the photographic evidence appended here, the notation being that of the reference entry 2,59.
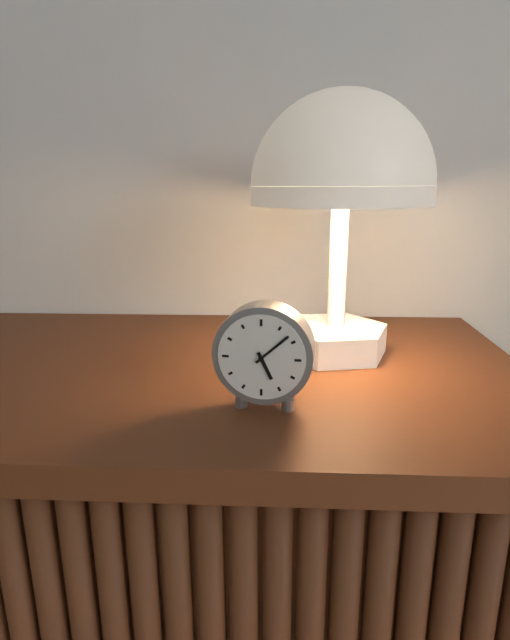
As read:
5,08
